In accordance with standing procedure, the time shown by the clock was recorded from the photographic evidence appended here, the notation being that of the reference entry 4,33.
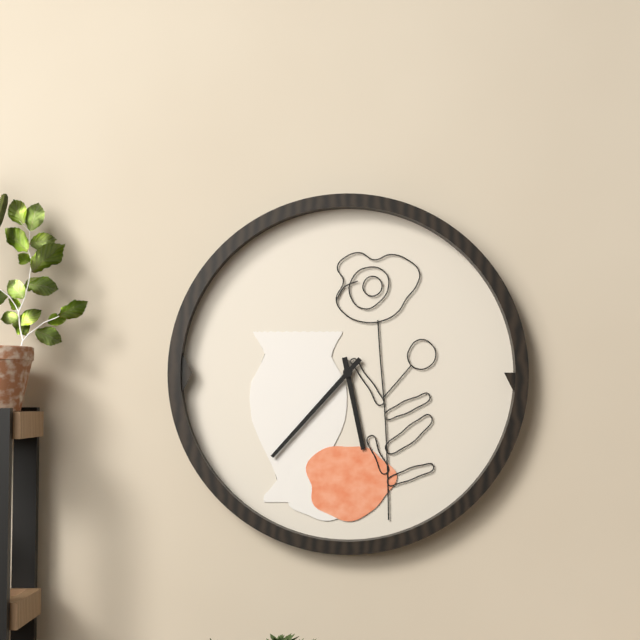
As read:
5,37
